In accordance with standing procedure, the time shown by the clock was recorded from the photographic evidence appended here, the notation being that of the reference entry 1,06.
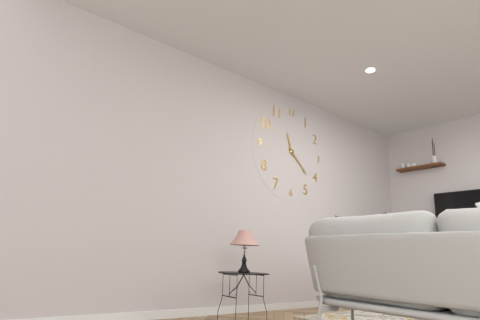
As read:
11,22
